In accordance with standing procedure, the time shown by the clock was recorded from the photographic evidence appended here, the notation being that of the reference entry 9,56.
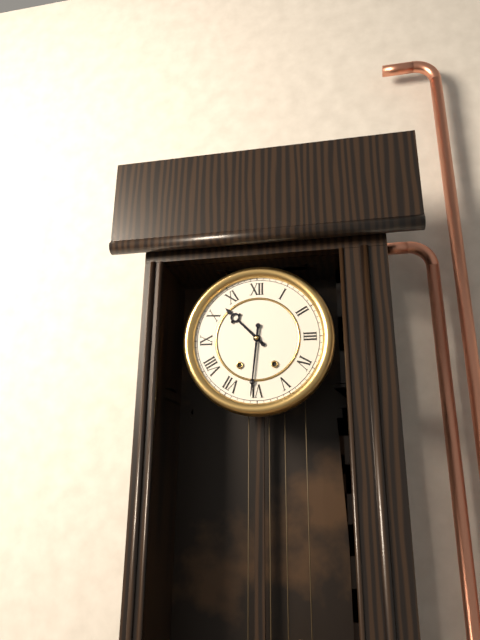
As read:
10,31
